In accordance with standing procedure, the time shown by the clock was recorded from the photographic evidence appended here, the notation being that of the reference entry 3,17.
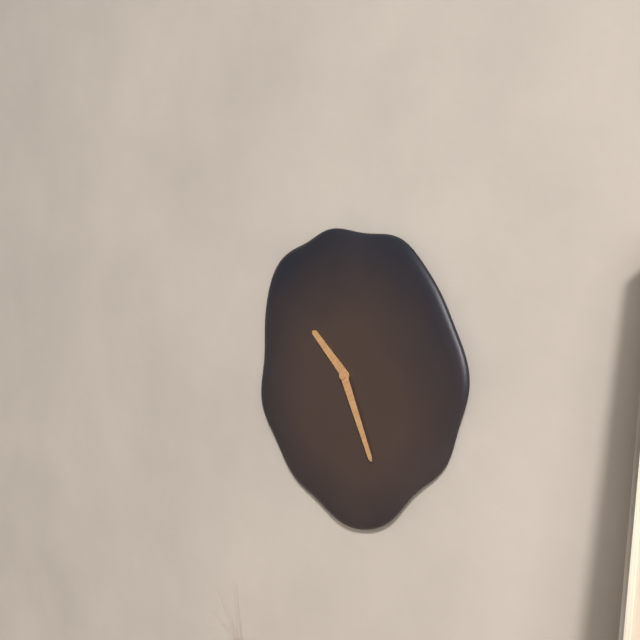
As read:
10,26
